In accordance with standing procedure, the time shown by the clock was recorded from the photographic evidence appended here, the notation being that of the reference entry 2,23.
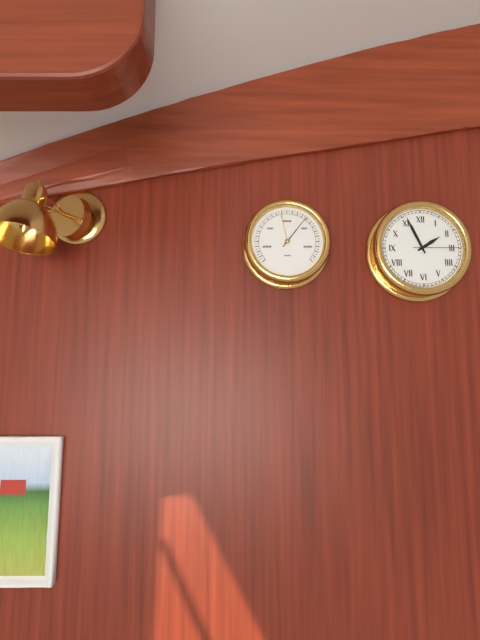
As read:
1,56
